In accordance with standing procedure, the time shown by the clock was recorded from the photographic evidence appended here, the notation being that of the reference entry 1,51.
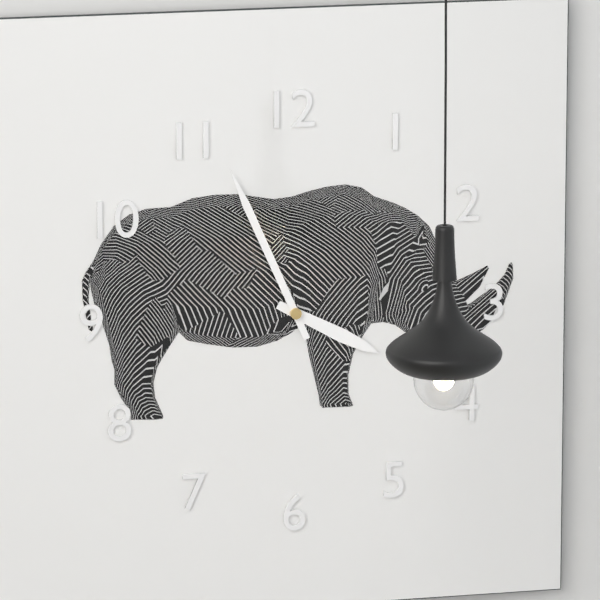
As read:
3,56
